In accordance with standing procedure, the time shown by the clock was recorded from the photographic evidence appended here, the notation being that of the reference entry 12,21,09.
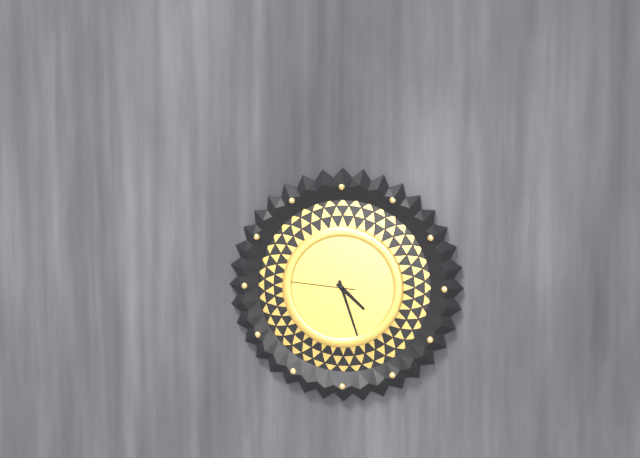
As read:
4,27,46
